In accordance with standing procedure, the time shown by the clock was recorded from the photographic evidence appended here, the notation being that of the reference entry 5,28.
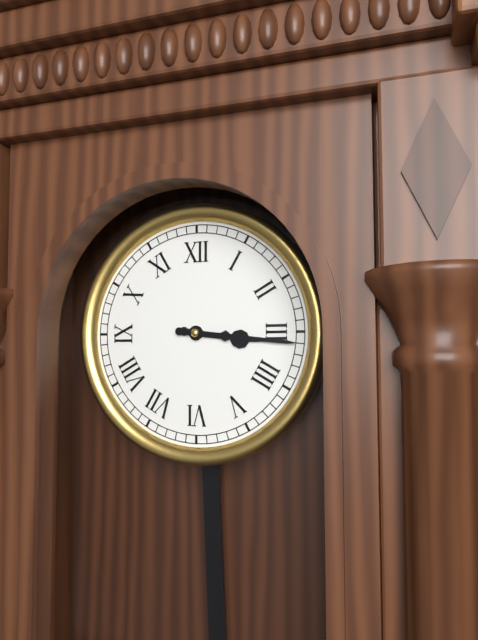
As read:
3,16
